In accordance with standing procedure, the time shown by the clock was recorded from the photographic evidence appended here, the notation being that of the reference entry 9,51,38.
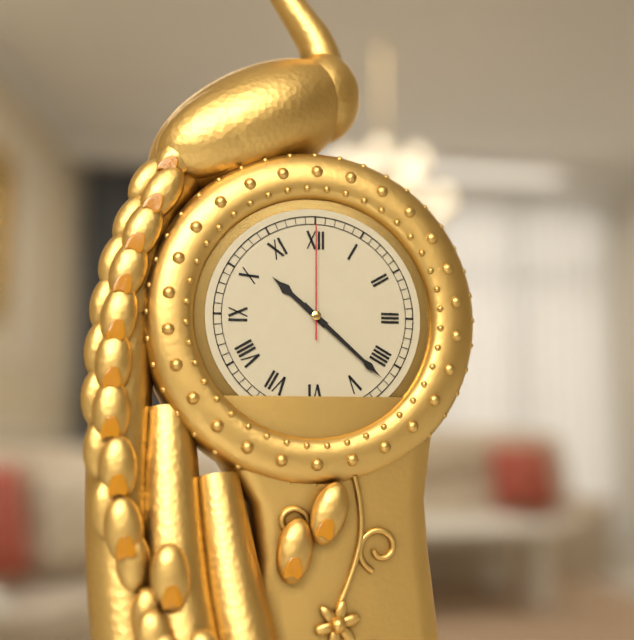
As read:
10,22,00
